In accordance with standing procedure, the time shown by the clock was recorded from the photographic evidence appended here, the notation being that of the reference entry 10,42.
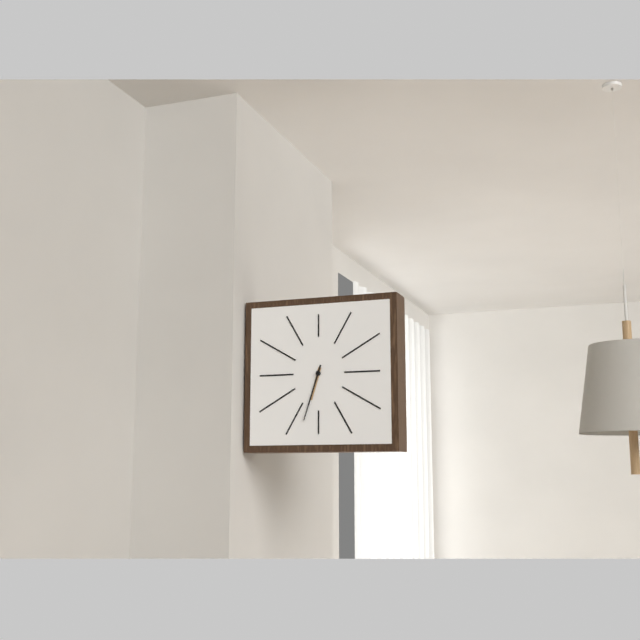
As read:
6,33
